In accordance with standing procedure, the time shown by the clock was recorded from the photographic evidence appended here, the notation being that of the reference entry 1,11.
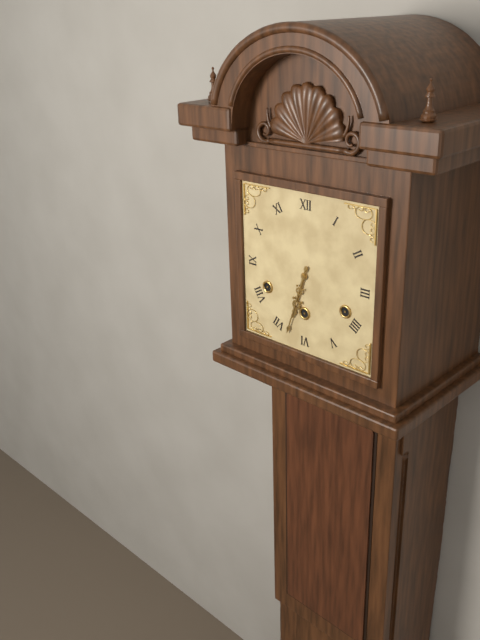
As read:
6,33
